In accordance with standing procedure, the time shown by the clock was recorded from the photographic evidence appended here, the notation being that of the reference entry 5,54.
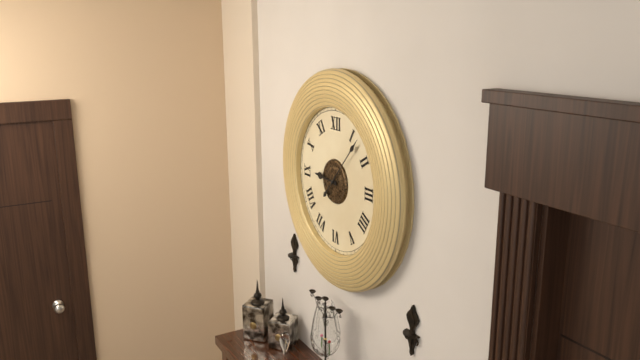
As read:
9,07
